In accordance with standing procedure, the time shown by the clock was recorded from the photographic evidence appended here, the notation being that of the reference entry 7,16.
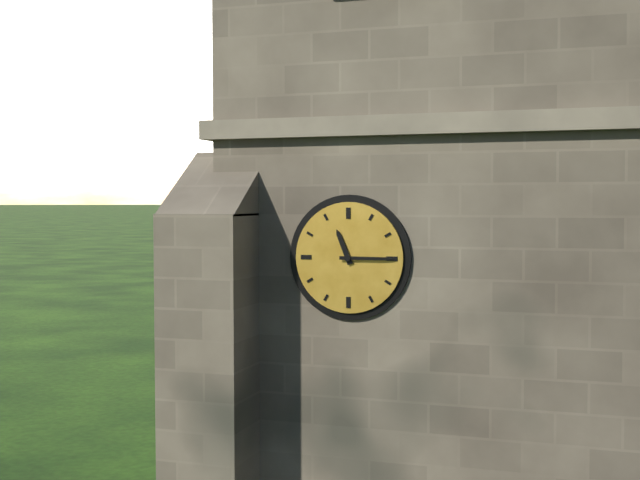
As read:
11,15
